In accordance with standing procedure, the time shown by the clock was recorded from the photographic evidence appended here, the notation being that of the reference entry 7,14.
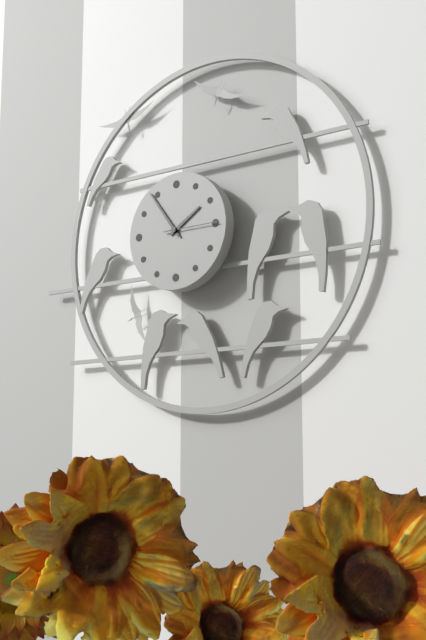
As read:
1,54
